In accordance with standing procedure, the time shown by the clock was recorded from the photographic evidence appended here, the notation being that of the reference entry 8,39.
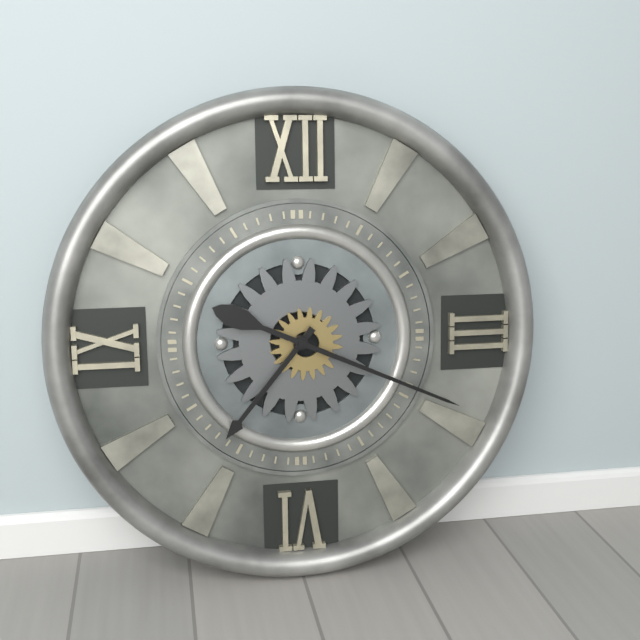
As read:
7,19
